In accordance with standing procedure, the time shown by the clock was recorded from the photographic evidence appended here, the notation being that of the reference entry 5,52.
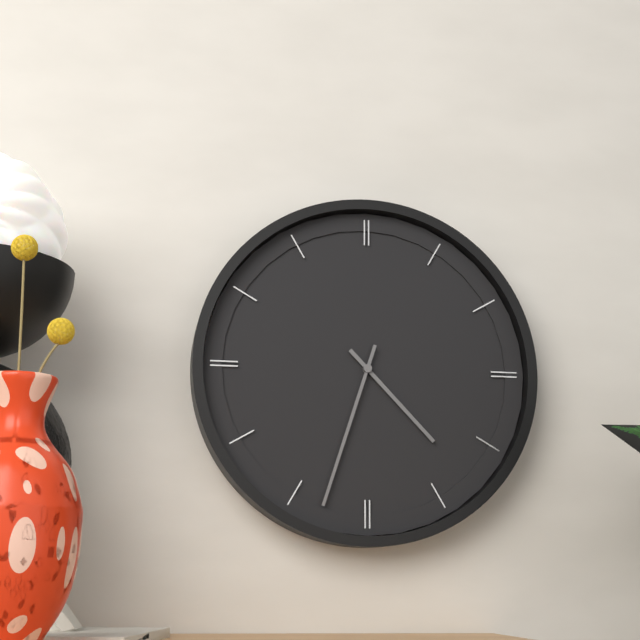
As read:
4,33
